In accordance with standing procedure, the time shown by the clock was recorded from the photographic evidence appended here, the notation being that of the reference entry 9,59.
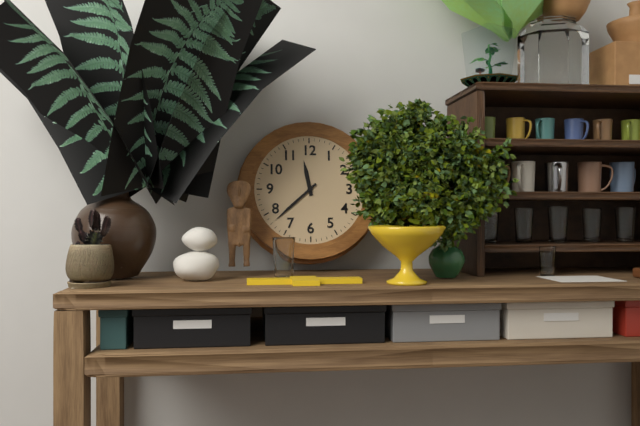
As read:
11,38
